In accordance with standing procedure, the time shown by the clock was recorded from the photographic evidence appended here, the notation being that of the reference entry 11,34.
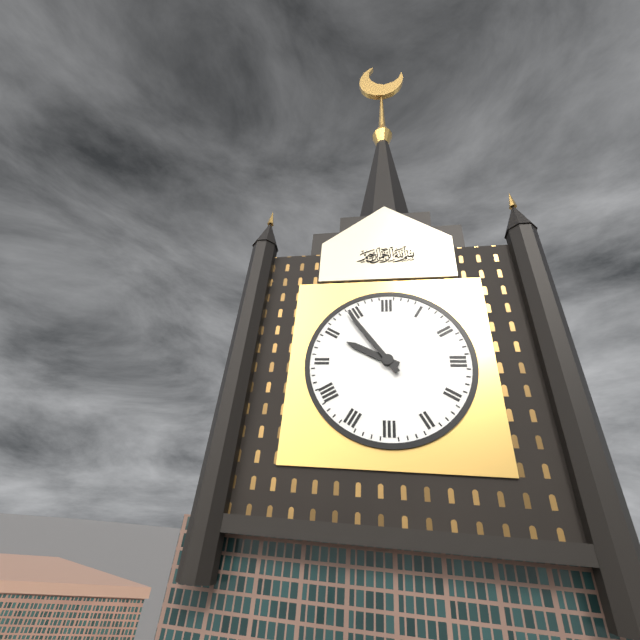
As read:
9,54
